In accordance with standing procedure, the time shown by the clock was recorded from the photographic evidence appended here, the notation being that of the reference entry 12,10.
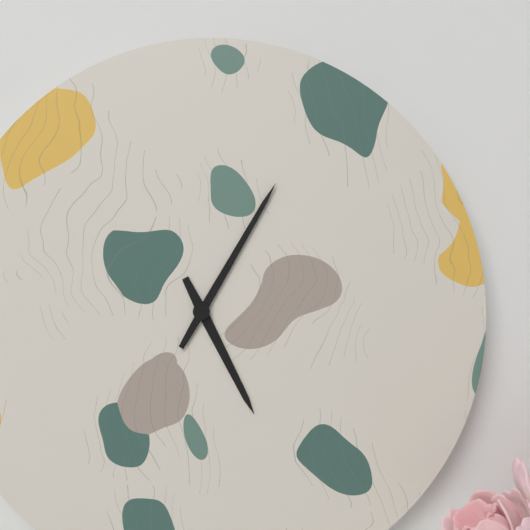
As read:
5,05
